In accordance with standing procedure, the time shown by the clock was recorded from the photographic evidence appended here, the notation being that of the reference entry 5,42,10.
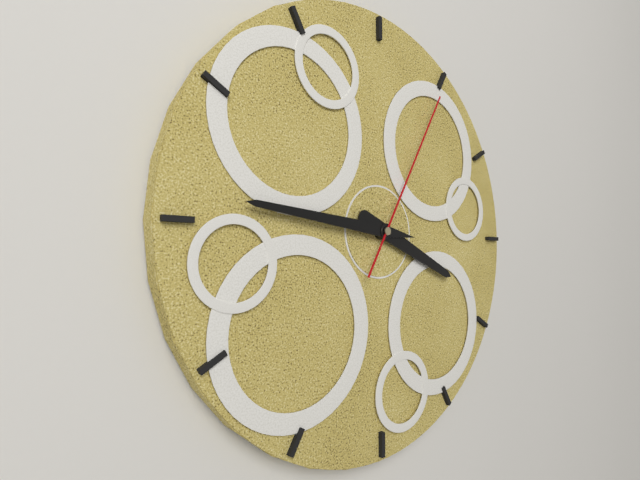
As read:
3,46,05
